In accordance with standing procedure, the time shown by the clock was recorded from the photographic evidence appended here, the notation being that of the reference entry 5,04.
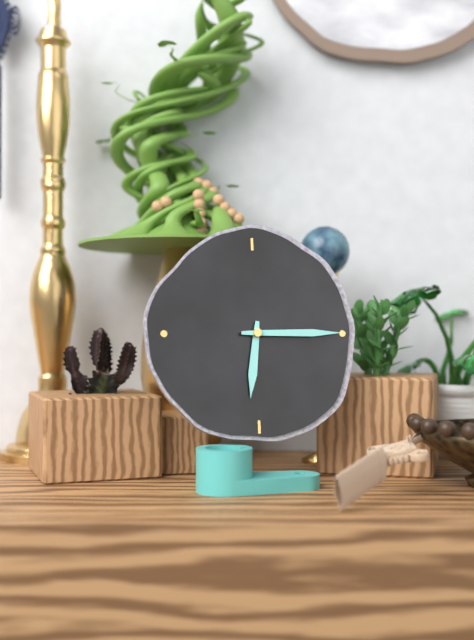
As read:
6,15
